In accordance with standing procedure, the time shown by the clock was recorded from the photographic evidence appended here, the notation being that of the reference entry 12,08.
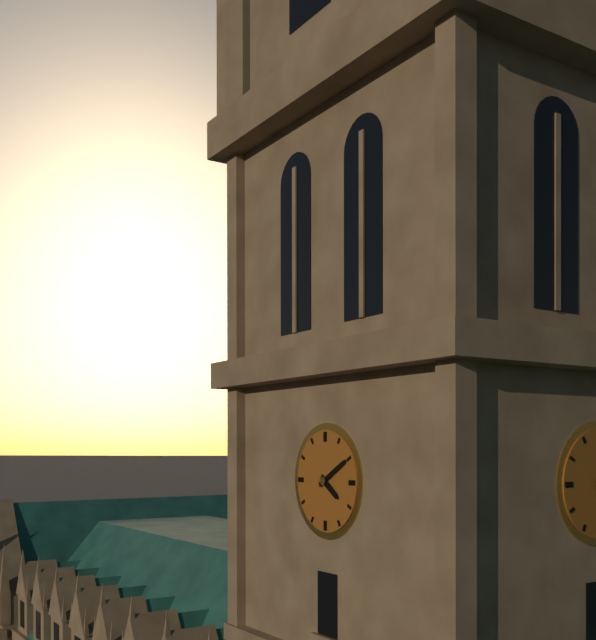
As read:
4,10
